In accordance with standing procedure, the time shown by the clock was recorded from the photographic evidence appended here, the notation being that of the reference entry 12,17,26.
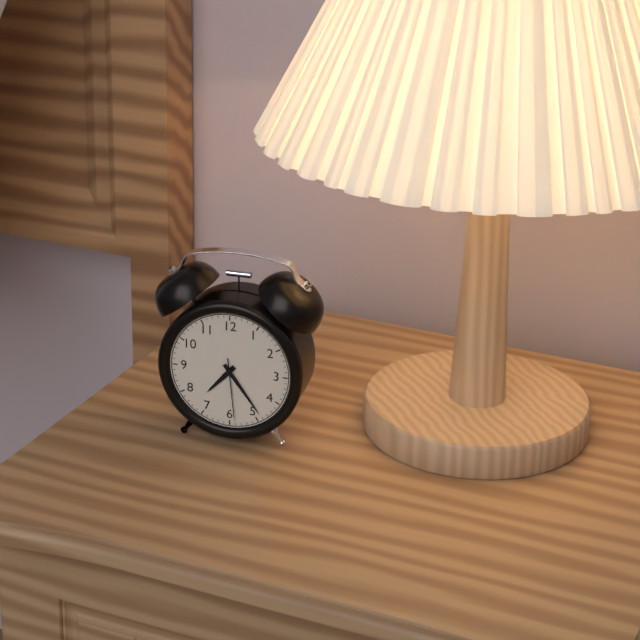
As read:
7,24,29
